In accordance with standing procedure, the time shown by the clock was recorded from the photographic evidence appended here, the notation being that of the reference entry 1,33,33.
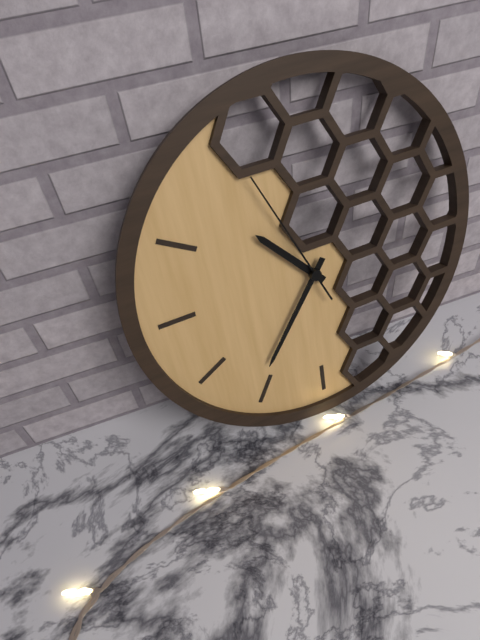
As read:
10,36,56
